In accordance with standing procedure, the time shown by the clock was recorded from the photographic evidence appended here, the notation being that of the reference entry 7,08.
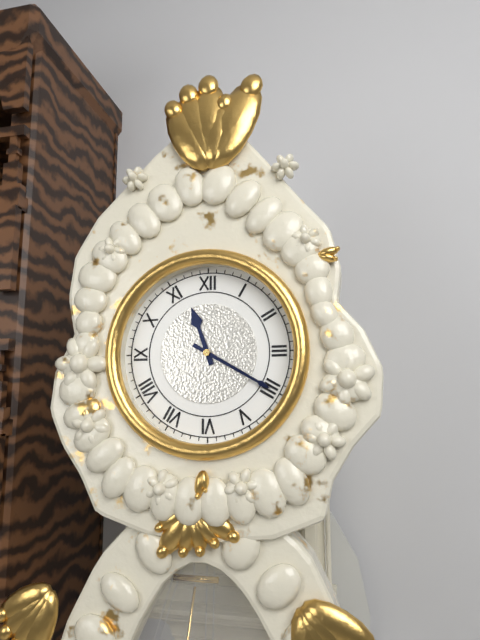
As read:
11,20
